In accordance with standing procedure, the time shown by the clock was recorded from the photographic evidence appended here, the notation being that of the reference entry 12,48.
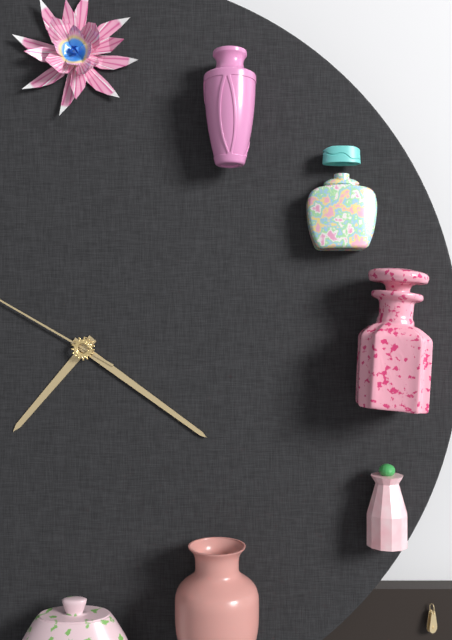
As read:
7,21
